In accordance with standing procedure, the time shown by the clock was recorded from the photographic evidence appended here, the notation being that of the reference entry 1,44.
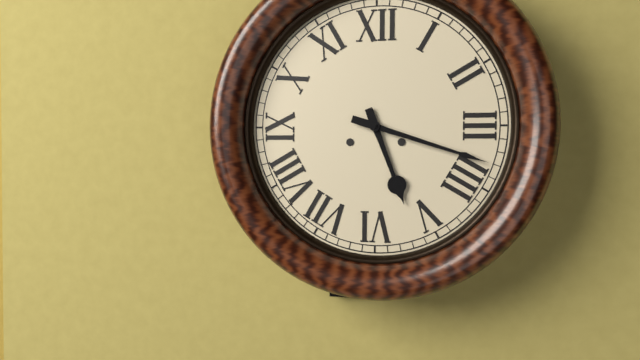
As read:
5,18
